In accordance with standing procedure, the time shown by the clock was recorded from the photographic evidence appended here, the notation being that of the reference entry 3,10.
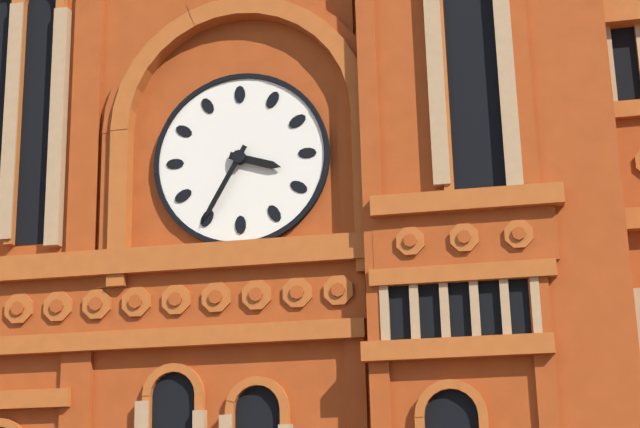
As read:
3,35
